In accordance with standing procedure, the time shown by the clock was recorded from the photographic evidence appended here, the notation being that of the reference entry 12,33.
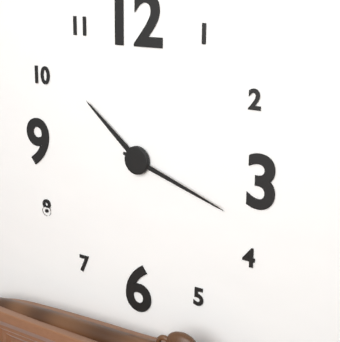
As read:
10,18
